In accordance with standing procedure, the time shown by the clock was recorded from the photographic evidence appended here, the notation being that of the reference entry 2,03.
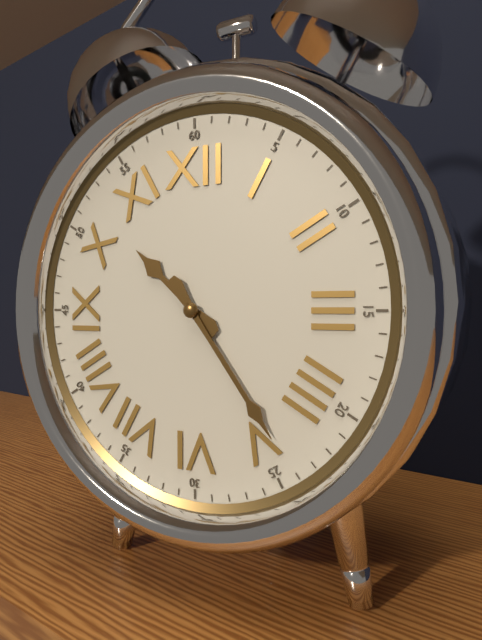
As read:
10,24
